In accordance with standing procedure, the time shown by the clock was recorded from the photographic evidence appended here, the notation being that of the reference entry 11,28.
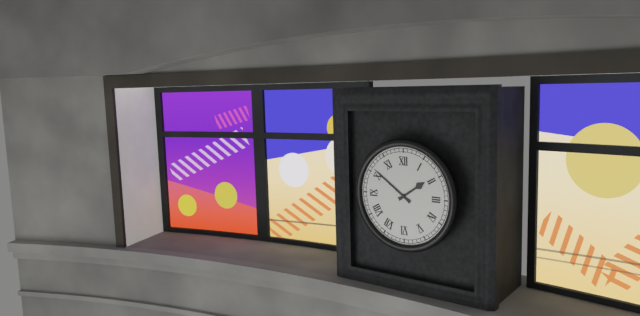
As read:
1,51
